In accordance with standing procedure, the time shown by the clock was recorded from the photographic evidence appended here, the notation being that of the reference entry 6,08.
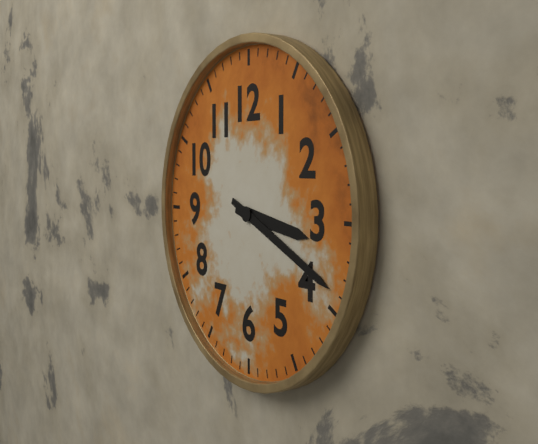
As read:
3,19
